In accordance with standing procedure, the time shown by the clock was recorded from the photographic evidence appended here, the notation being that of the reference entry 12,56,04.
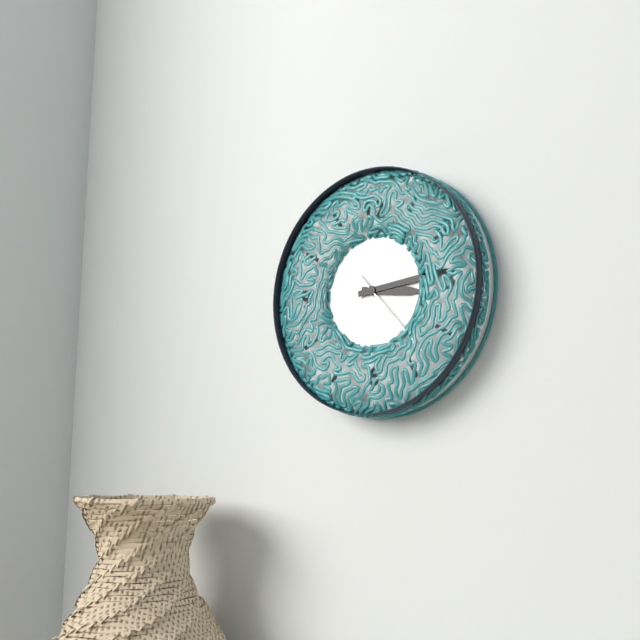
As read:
3,14,23
